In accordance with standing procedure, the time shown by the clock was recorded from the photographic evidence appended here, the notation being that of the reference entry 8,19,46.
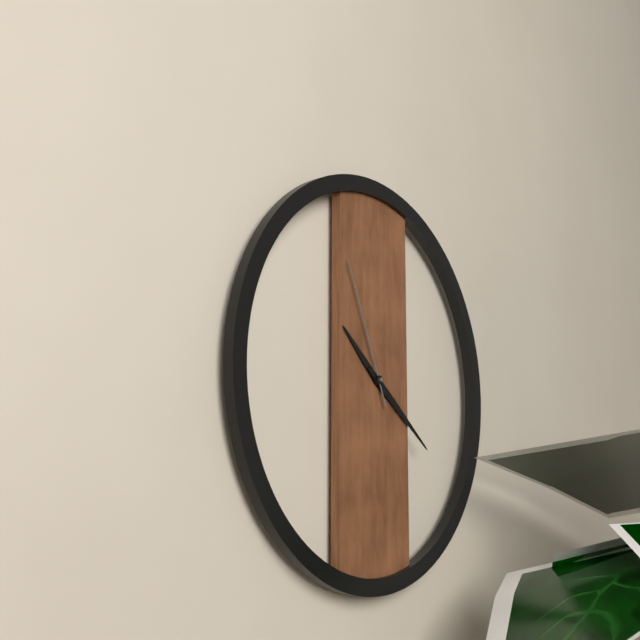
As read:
10,21,56
